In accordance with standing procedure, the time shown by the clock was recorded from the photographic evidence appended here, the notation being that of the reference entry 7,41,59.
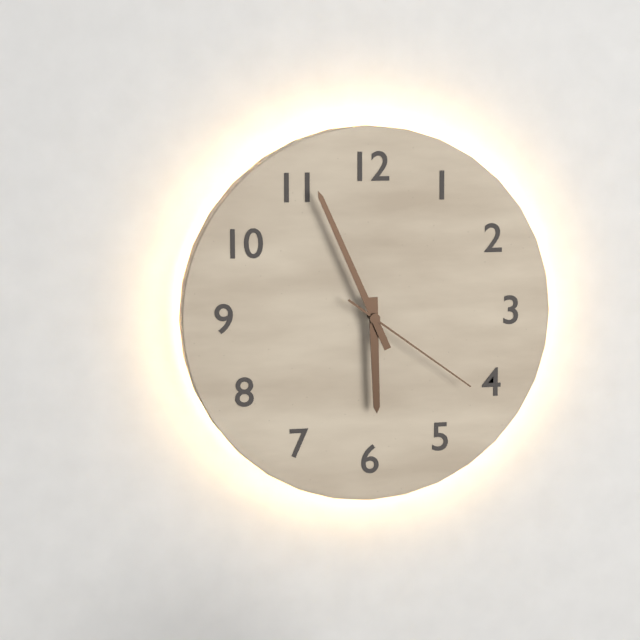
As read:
5,56,21
